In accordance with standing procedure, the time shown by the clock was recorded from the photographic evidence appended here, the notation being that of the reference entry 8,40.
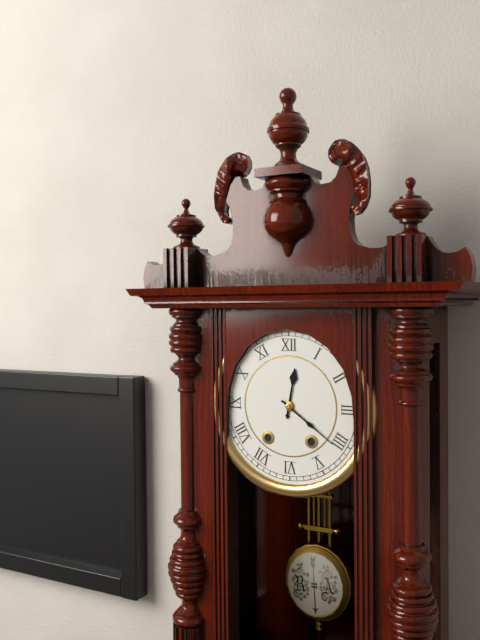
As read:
12,21
